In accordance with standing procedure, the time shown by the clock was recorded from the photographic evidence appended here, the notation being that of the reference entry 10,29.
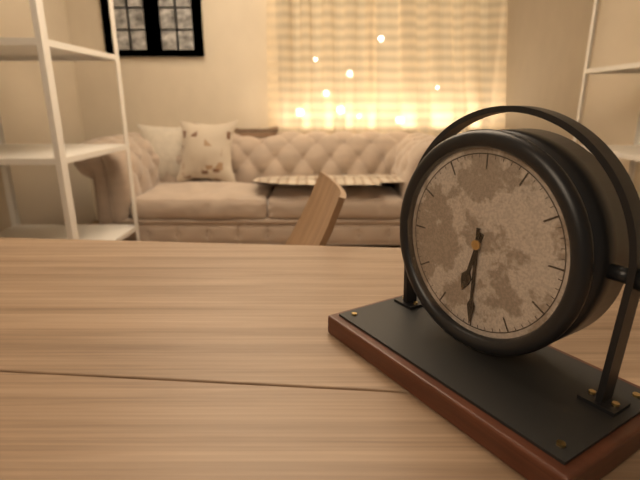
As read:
6,30
